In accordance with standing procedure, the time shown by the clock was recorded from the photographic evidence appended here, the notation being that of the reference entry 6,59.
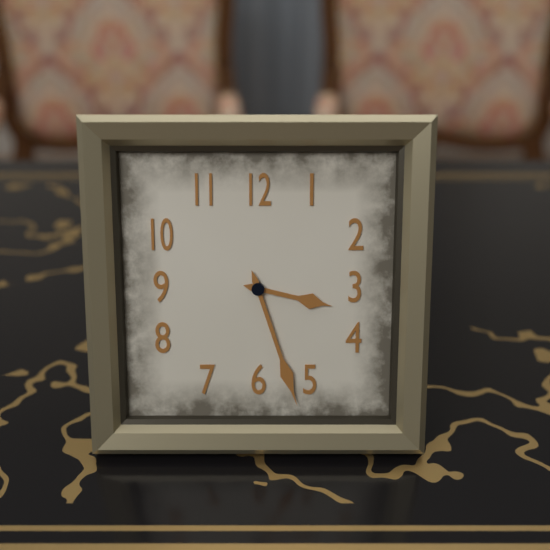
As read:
3,27
